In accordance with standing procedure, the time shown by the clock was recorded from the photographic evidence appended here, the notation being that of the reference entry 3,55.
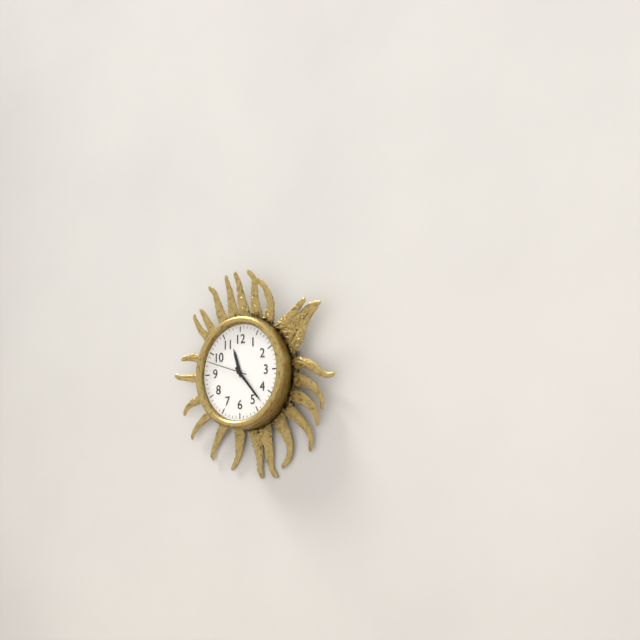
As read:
11,23
